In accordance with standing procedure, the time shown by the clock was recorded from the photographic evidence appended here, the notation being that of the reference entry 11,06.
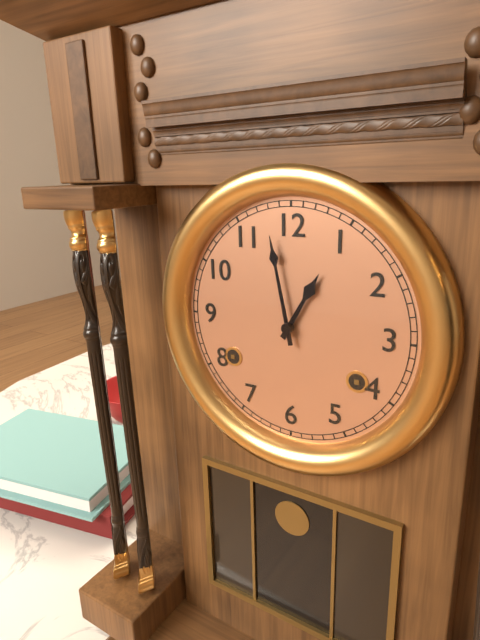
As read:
12,58
